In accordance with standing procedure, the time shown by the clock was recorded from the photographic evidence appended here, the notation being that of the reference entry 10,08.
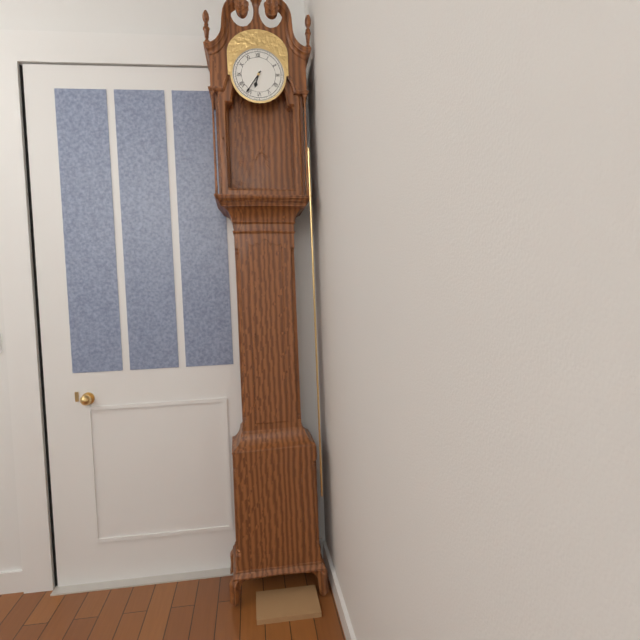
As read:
6,36
